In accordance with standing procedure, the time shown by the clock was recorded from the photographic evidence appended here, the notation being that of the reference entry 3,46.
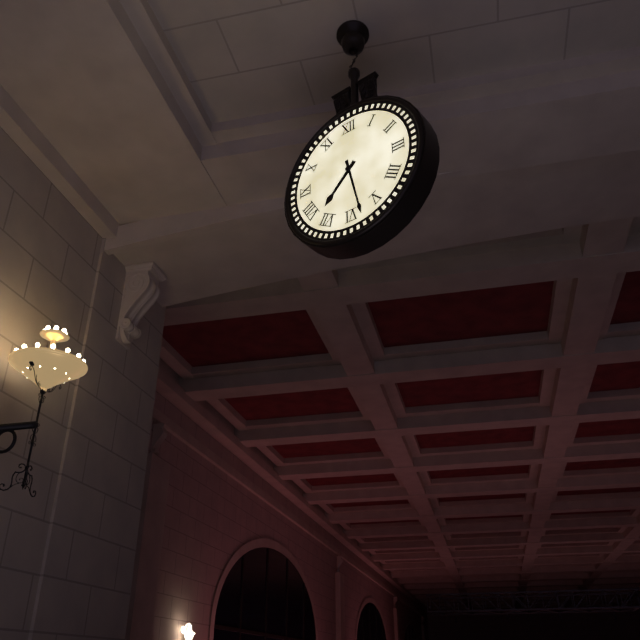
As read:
7,28
